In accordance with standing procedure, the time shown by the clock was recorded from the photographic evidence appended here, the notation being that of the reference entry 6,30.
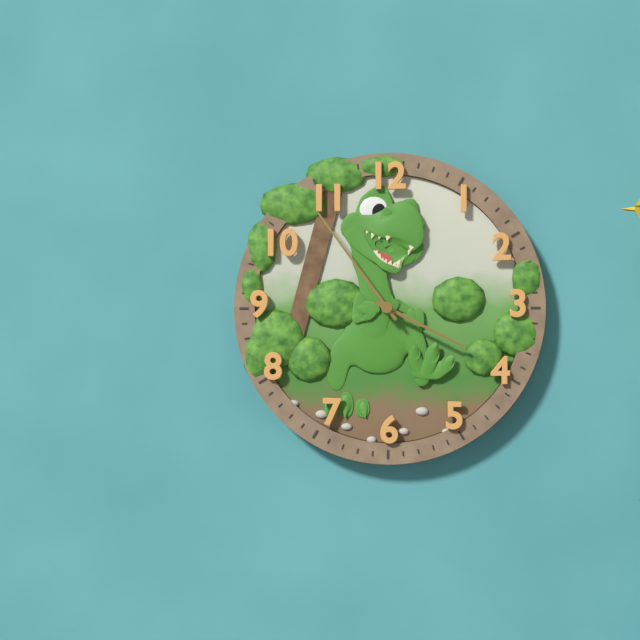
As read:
3,54
